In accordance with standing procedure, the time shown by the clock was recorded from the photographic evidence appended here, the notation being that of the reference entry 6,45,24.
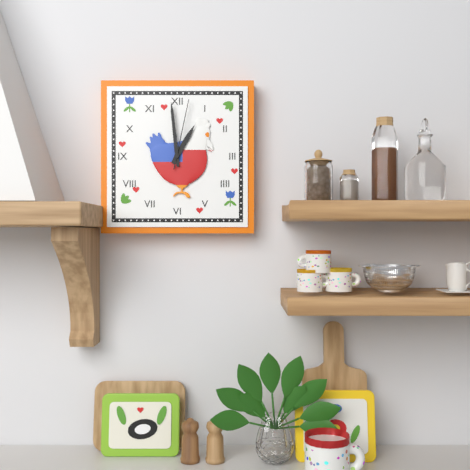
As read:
12,59,02
